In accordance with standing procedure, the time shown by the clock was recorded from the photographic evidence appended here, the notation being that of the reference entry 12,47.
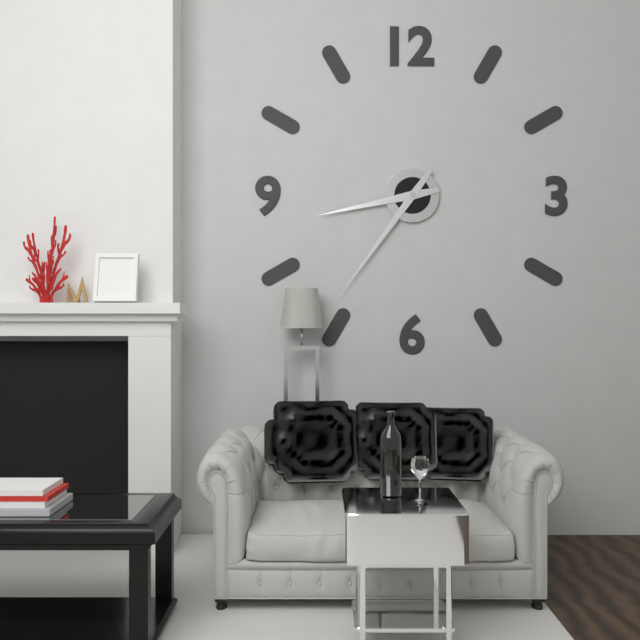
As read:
8,36
